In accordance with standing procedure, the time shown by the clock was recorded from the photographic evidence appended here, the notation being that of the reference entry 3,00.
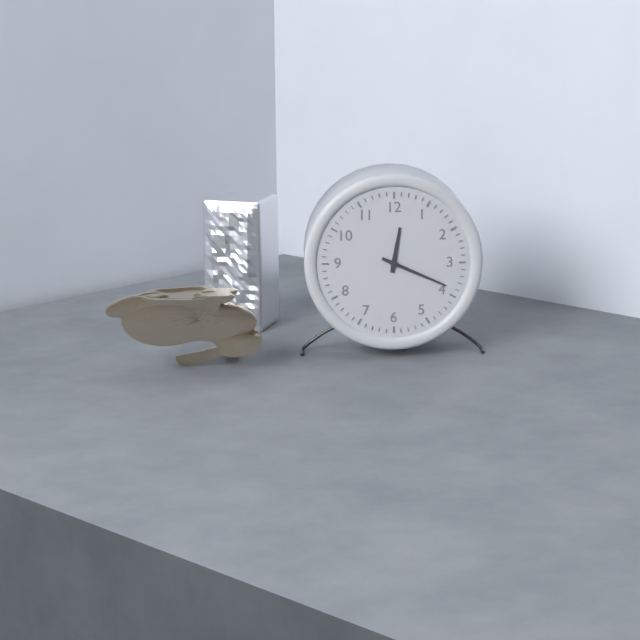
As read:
12,19
